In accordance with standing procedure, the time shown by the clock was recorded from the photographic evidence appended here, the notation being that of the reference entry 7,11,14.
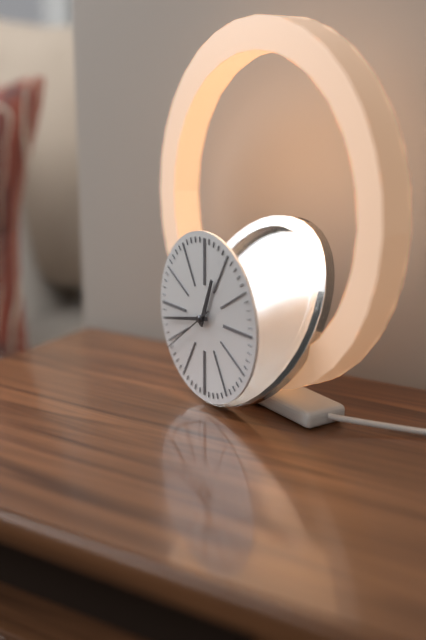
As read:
12,43,39
